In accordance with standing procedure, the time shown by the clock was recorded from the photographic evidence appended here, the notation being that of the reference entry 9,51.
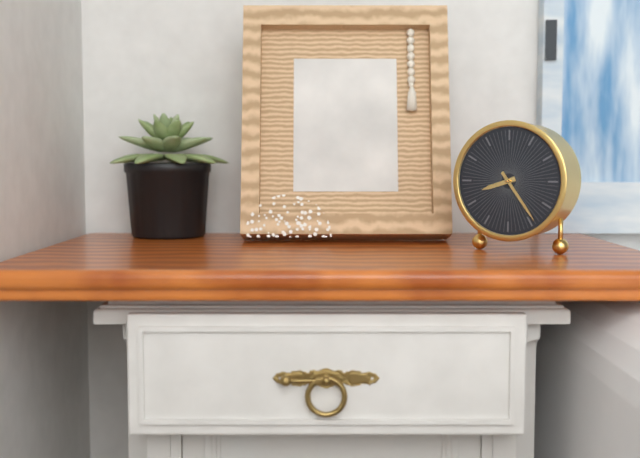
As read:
8,24
